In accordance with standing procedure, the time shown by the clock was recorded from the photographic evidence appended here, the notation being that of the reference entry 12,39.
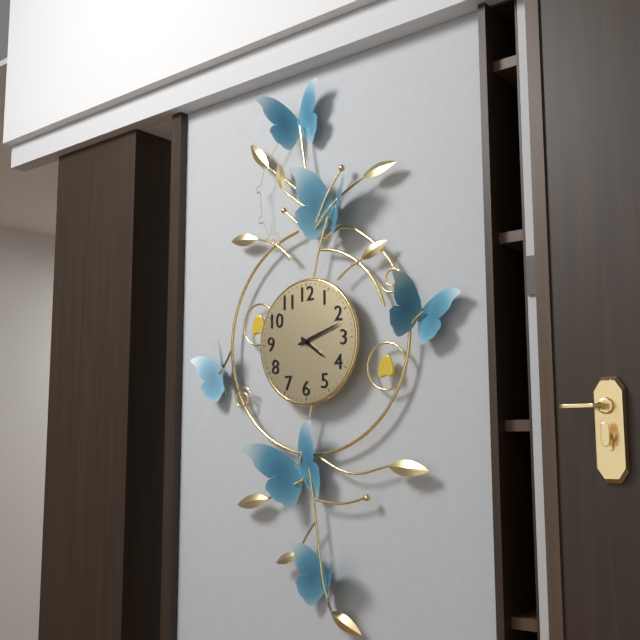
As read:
4,12
